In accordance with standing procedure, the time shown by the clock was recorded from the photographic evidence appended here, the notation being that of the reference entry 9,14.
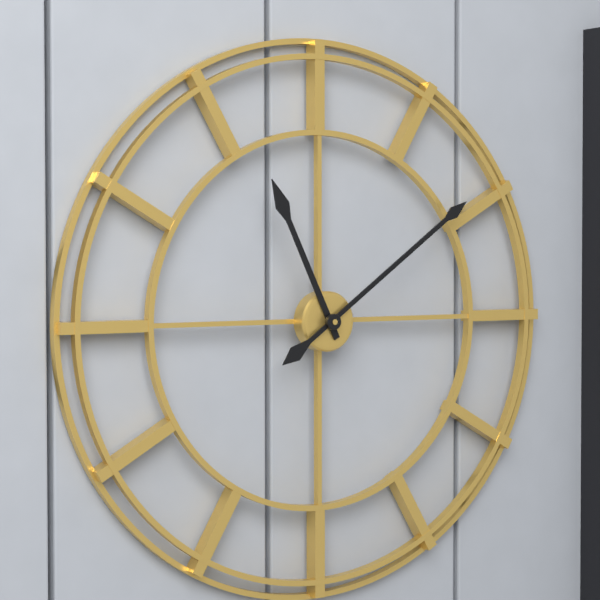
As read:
11,09
